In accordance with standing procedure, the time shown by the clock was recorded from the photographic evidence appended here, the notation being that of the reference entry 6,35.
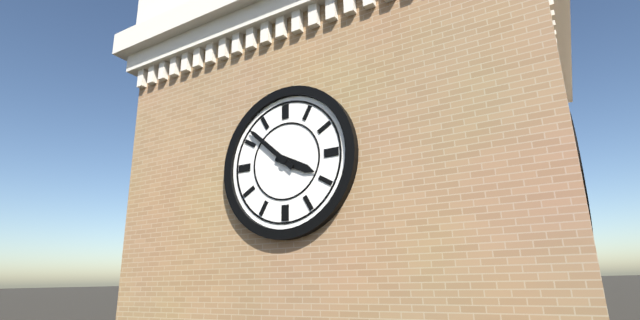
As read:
3,52
